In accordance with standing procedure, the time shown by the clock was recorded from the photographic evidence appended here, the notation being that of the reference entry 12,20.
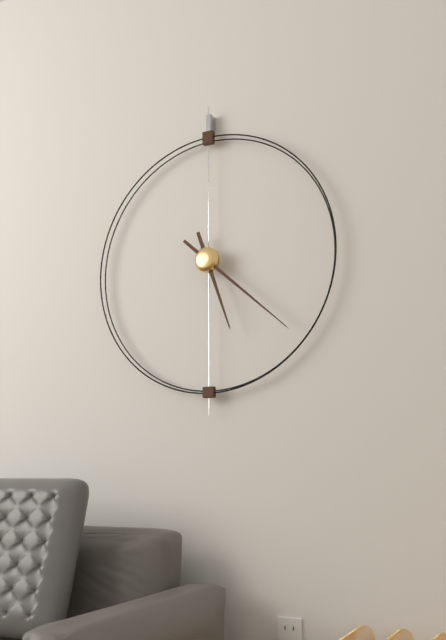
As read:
5,22
